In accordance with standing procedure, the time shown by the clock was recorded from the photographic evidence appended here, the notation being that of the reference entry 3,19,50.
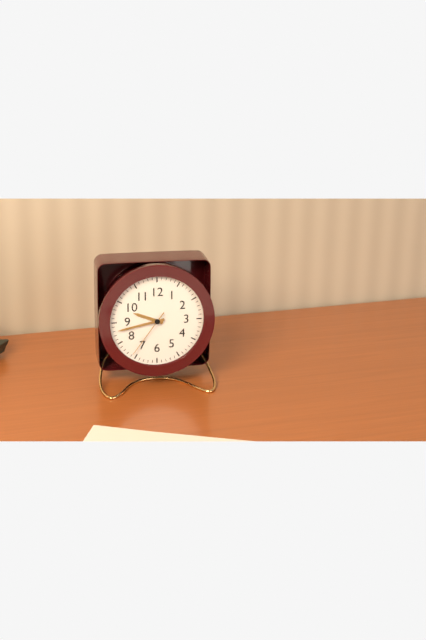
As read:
9,43,36
